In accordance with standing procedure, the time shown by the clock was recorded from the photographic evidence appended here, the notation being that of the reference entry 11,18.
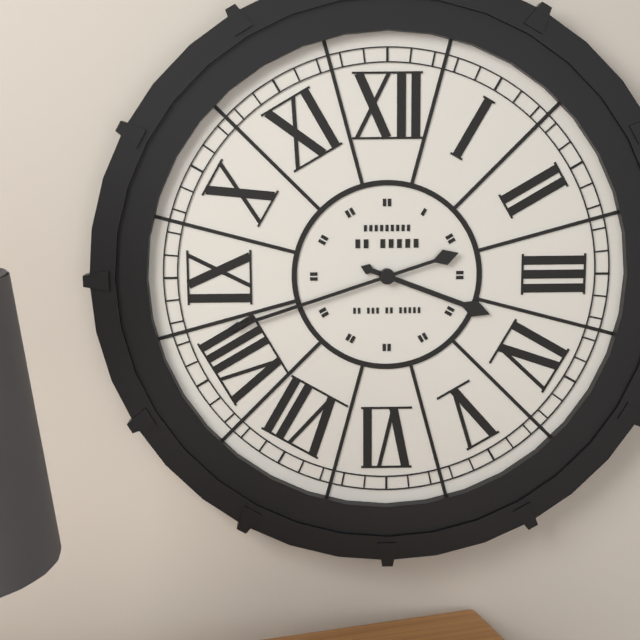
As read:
3,42
